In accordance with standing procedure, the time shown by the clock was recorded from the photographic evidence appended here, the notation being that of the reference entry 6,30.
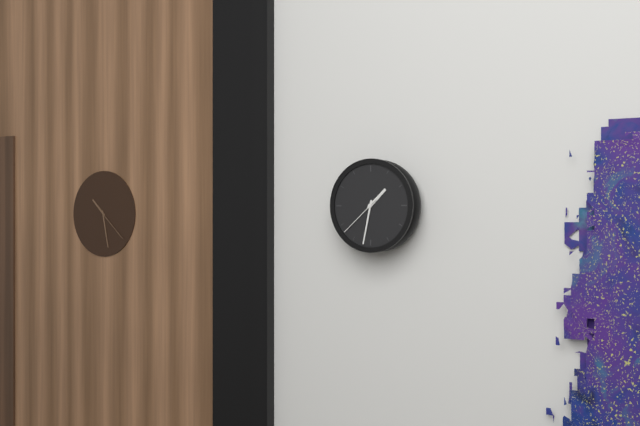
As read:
1,32
